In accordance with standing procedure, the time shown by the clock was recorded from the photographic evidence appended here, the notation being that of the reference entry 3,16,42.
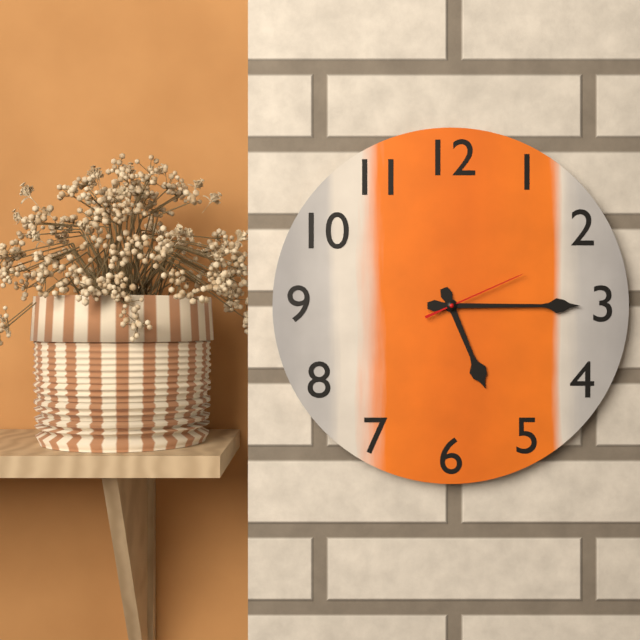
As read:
5,15,11
